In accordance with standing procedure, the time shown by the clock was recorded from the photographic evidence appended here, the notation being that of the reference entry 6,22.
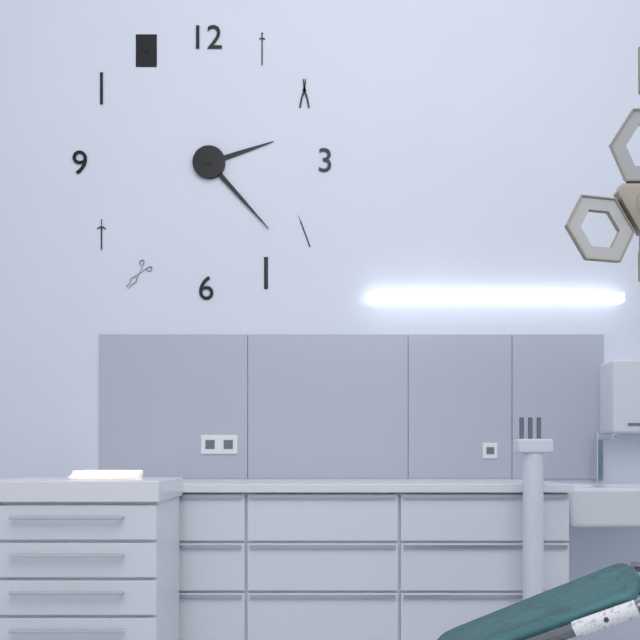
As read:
2,23
